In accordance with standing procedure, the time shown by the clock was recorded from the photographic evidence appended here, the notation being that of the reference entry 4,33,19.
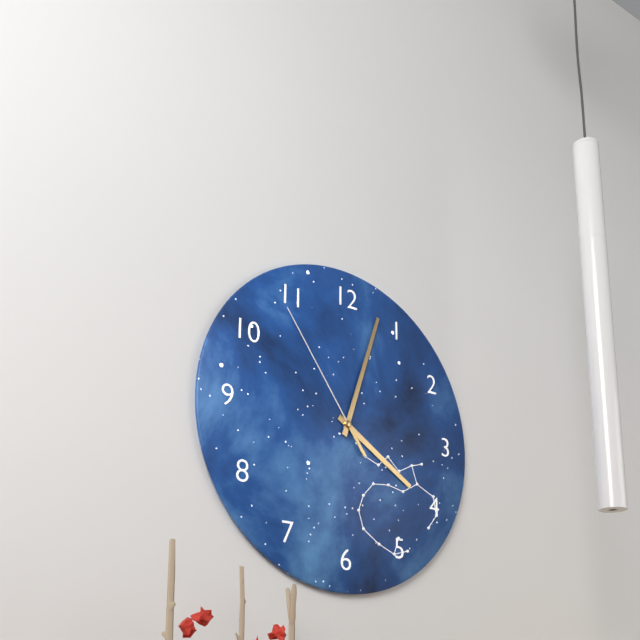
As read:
4,03,54
